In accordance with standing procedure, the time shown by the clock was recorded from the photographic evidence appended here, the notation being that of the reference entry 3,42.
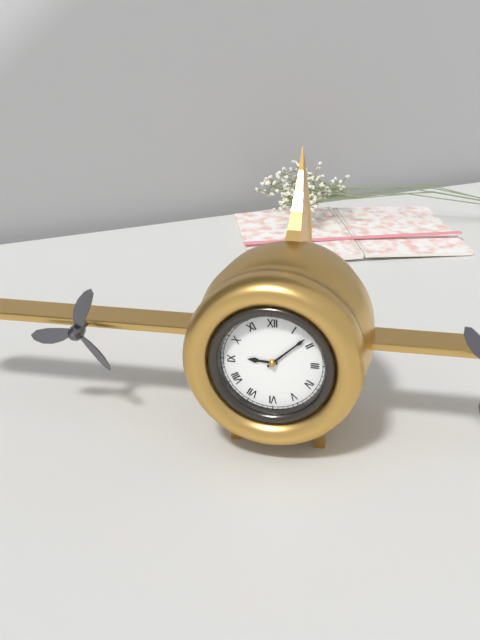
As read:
9,08
